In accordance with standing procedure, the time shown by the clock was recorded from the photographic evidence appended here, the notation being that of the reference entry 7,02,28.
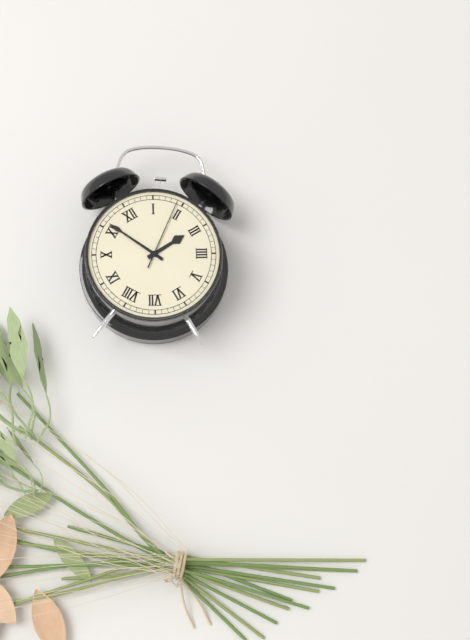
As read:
2,56,09
